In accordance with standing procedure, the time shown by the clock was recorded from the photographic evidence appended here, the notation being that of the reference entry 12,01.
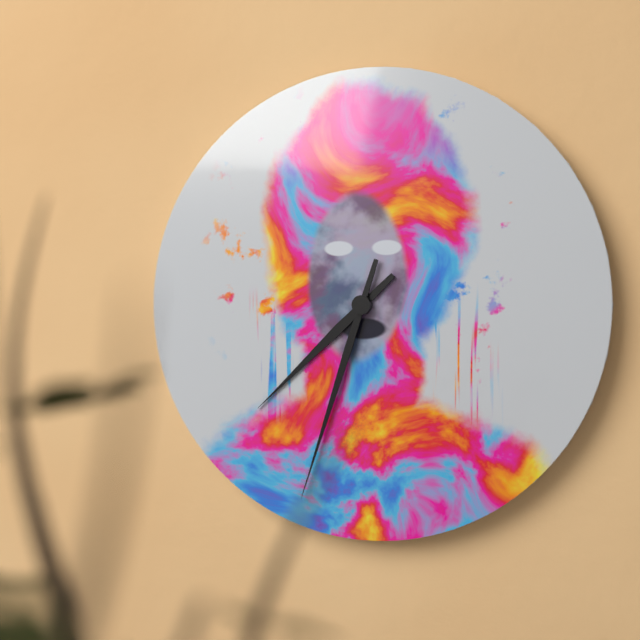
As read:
7,33
